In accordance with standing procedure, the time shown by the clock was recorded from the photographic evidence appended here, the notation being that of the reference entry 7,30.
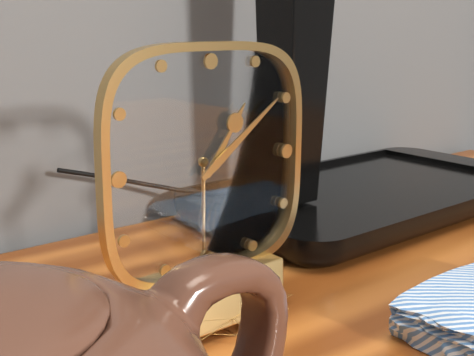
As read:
1,09
